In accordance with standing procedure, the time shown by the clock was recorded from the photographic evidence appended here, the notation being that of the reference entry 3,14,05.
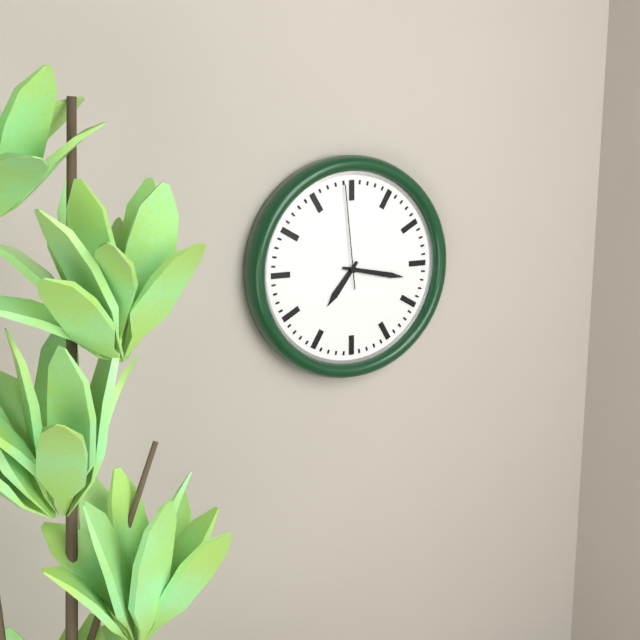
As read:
7,17,59
